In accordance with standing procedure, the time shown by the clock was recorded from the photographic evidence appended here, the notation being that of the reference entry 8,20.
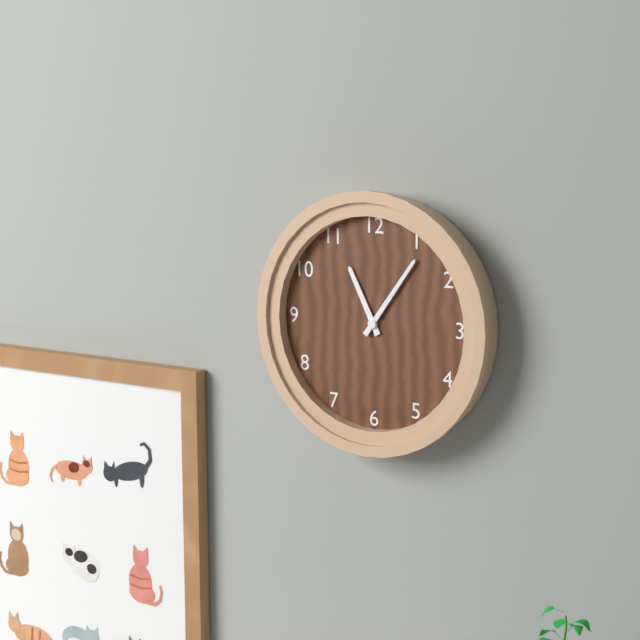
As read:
11,06
